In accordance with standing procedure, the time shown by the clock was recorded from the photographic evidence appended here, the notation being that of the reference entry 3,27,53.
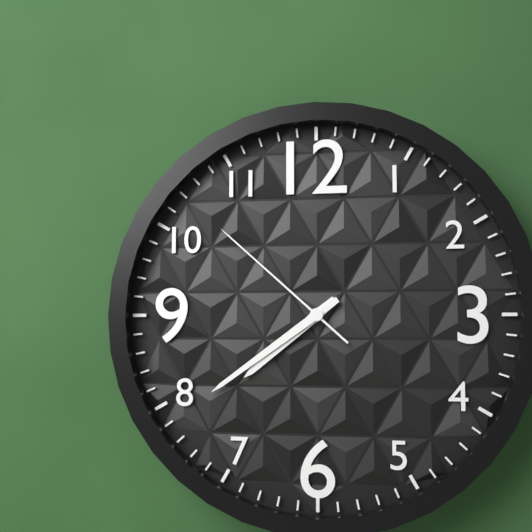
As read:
7,39,52
